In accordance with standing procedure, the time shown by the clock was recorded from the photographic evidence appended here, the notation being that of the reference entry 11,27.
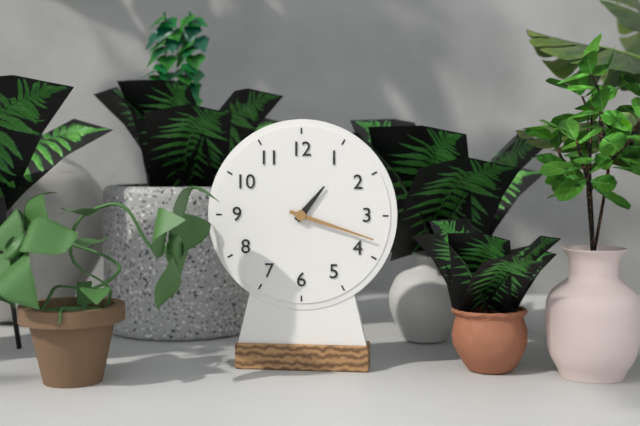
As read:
1,18
